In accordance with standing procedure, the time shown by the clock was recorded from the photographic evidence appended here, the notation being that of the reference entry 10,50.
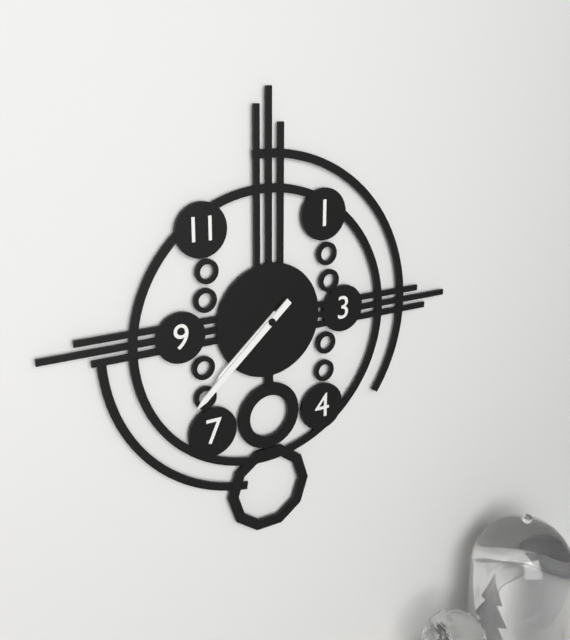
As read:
7,38
